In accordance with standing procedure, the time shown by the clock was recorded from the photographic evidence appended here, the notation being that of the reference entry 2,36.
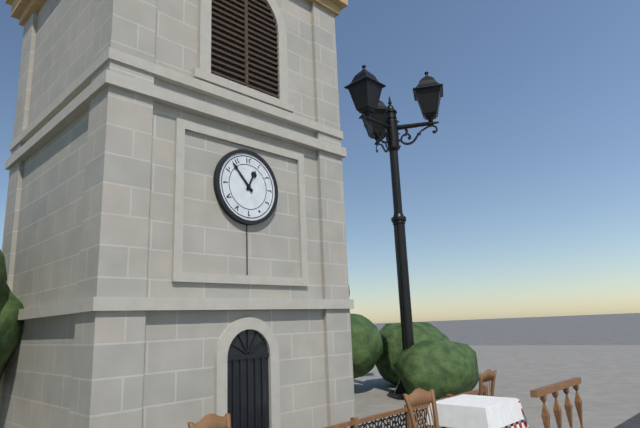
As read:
12,53
